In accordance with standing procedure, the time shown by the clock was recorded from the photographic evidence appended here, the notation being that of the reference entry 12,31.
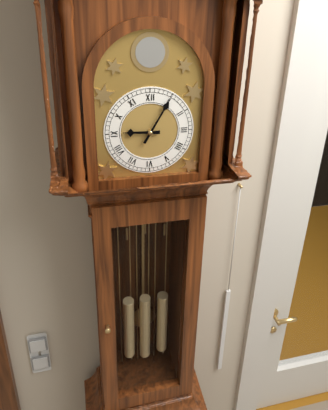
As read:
9,05
